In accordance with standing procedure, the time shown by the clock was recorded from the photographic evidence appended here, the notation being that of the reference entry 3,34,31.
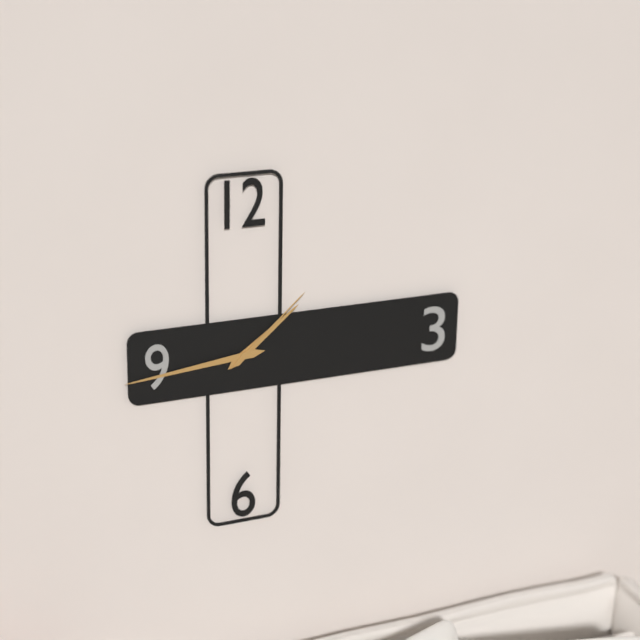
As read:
1,44,08
